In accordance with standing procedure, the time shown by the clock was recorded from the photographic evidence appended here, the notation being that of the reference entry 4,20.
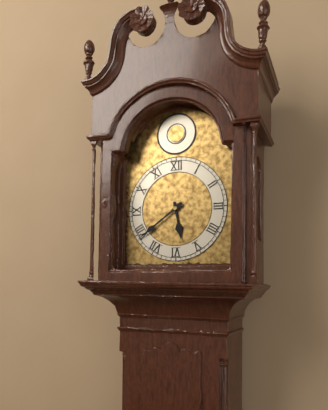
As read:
5,39
